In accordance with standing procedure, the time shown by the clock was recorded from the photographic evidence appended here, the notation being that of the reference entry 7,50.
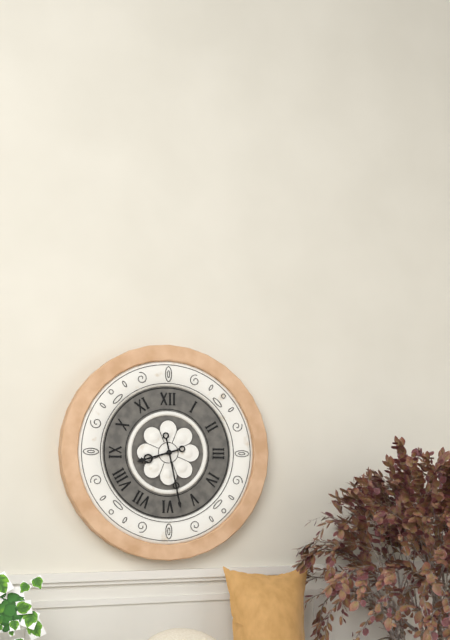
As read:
8,28
